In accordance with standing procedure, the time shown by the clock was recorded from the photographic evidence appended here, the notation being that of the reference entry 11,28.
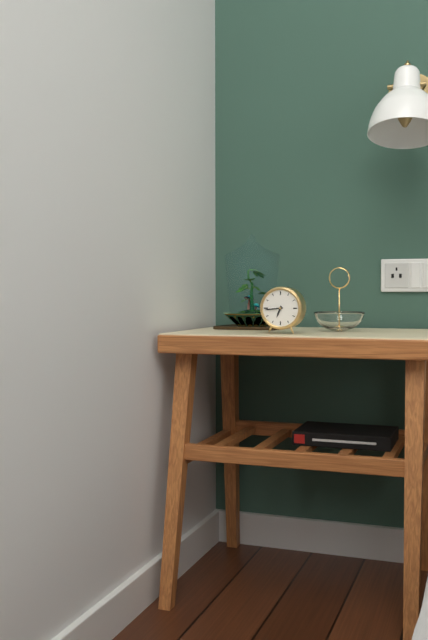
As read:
6,44
